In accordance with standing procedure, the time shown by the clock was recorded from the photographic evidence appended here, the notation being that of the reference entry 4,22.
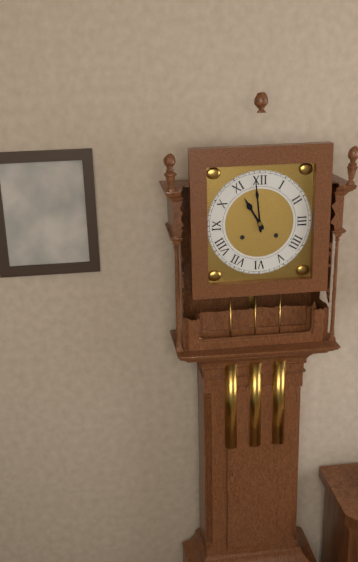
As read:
10,59
